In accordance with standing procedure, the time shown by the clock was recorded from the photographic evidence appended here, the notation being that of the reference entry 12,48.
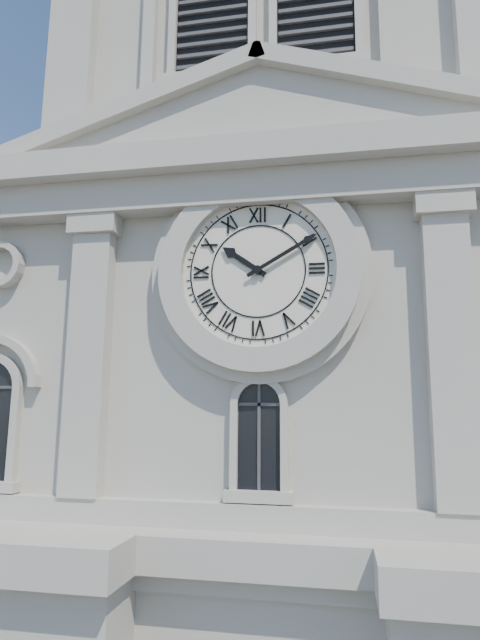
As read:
10,10
